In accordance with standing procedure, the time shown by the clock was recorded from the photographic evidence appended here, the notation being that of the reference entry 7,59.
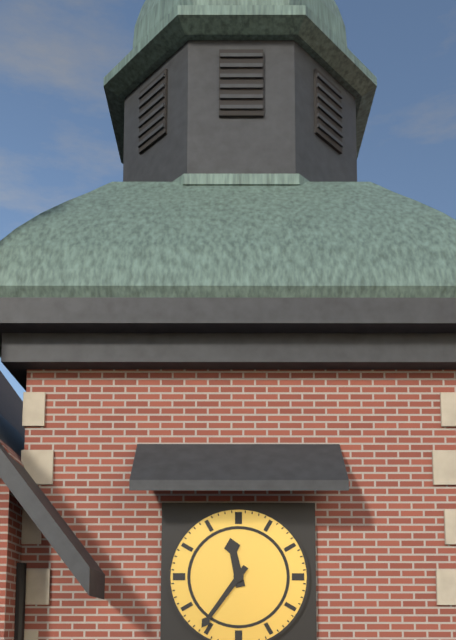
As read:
11,36
